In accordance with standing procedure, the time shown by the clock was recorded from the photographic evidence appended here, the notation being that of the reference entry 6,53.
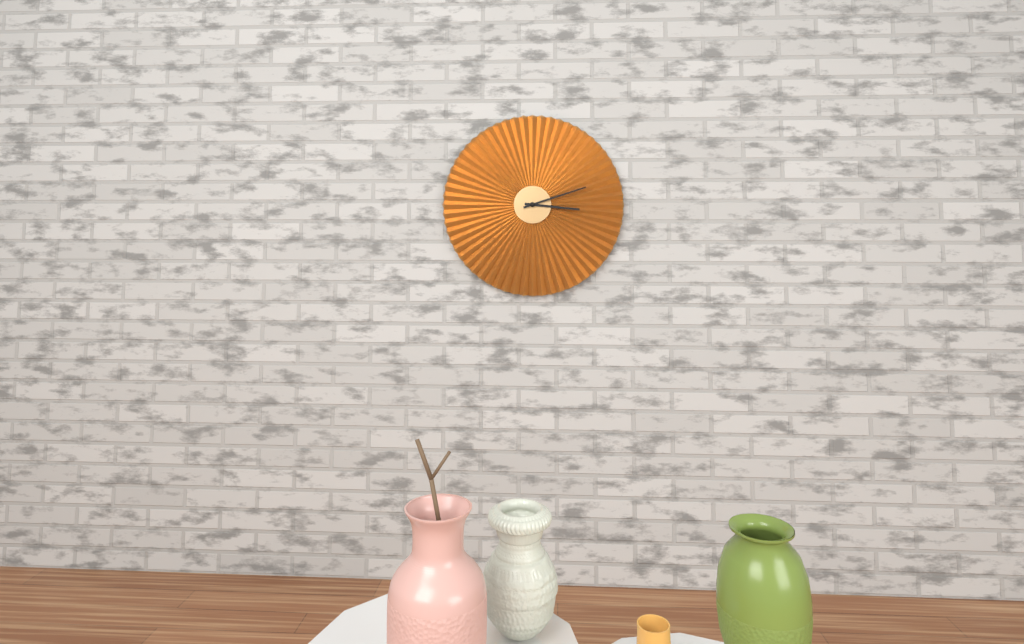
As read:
3,12
